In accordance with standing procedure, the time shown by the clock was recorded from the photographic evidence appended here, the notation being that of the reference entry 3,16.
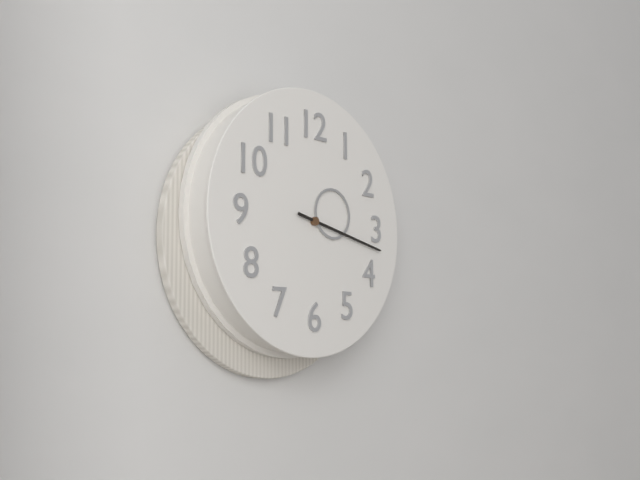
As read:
2,17
